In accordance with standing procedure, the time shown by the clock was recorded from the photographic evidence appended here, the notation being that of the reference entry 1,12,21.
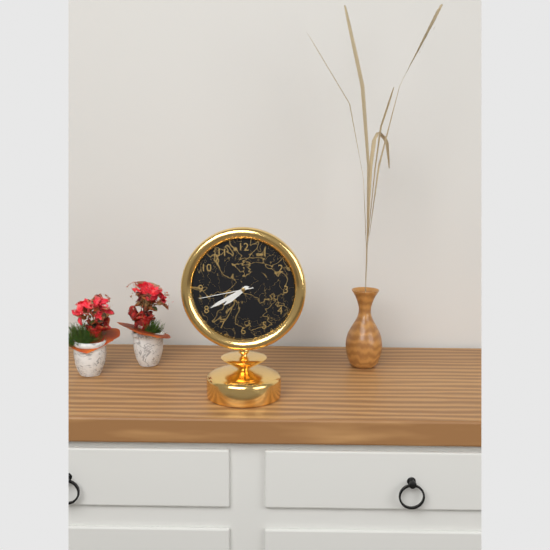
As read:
7,40,43
